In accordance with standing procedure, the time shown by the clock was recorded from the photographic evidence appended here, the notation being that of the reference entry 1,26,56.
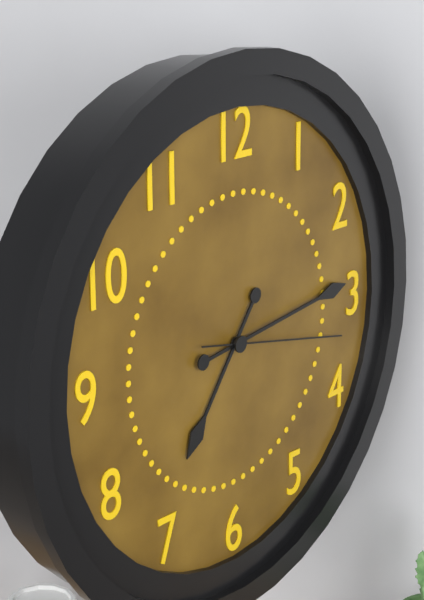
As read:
7,14,17
